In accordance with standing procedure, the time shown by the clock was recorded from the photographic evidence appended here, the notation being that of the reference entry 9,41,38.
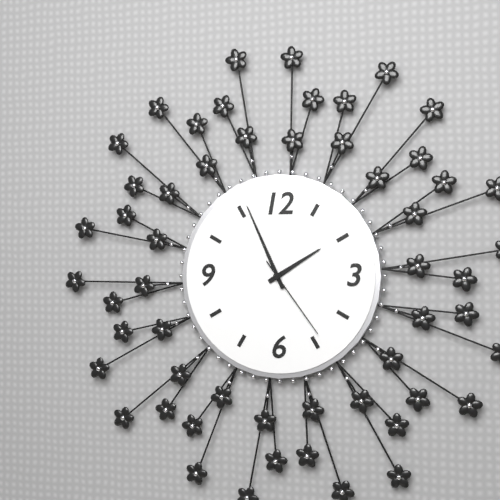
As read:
1,56,24
